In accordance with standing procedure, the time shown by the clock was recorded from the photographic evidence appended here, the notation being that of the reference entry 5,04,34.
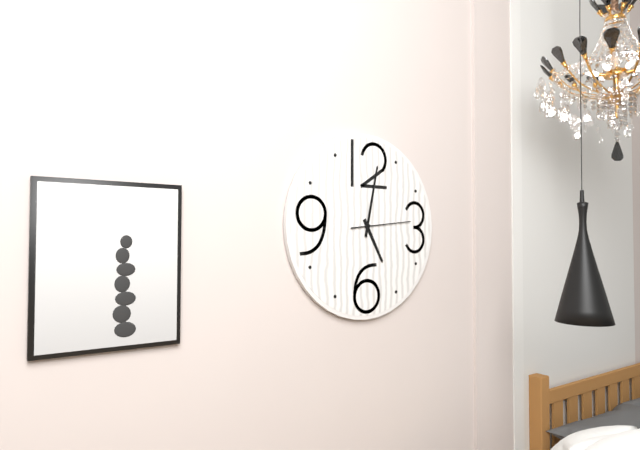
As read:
5,02,14
